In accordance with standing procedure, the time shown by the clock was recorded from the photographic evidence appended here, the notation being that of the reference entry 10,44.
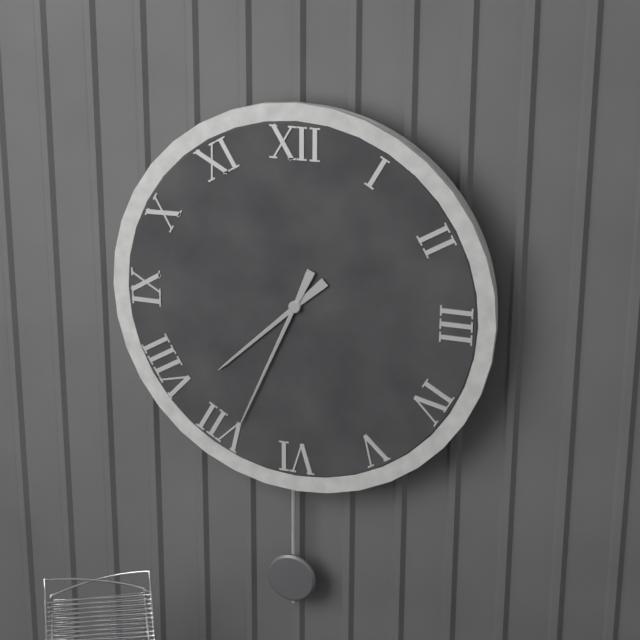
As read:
7,34
